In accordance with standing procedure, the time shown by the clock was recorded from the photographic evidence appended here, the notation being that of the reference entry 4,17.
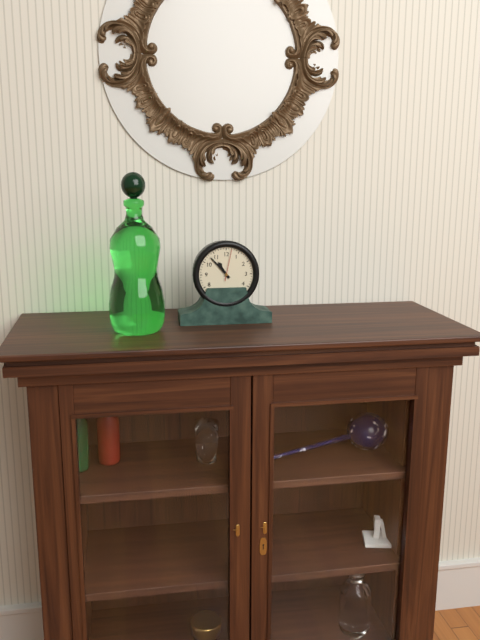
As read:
10,53
